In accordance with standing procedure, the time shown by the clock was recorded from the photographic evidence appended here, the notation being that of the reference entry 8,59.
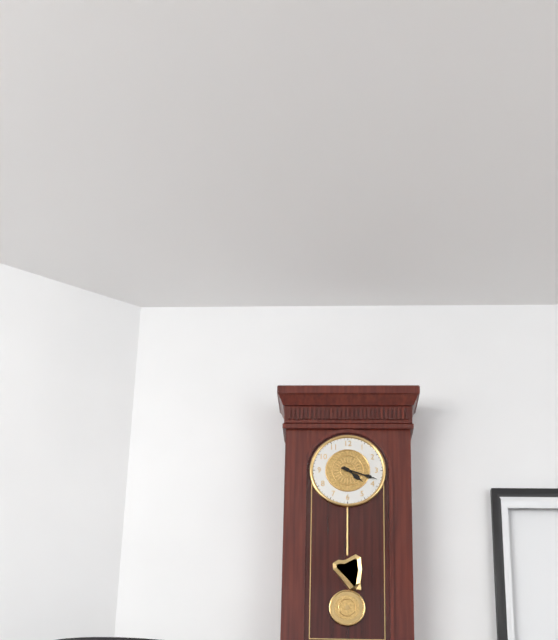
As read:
4,18
